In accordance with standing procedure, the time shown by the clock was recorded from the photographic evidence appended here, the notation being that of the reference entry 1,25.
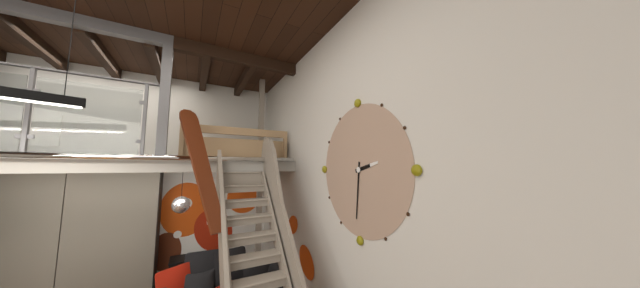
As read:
2,31
